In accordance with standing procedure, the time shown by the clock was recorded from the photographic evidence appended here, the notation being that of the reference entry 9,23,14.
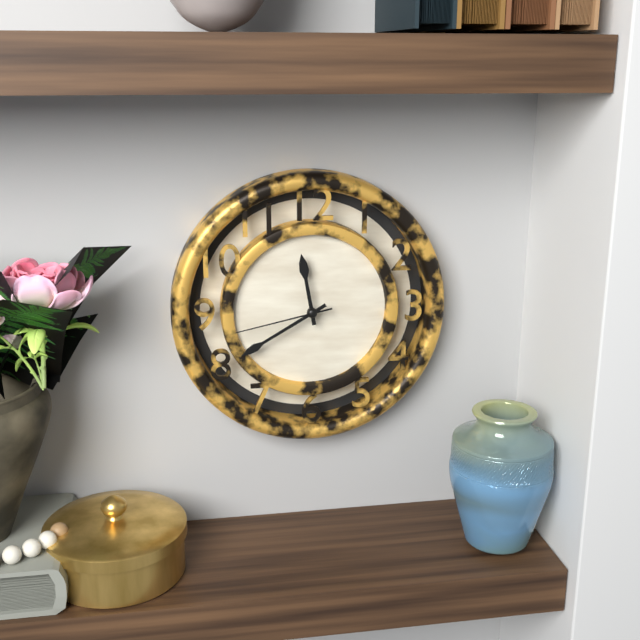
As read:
11,40,43
